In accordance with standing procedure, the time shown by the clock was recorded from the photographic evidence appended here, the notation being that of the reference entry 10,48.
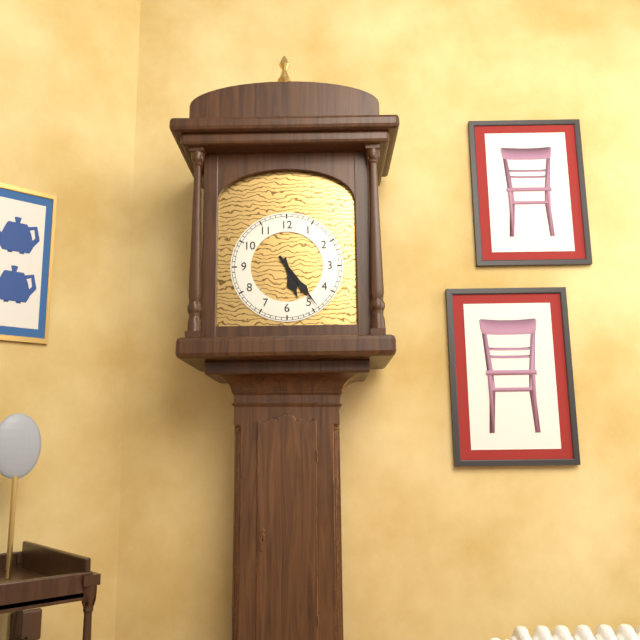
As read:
5,24
